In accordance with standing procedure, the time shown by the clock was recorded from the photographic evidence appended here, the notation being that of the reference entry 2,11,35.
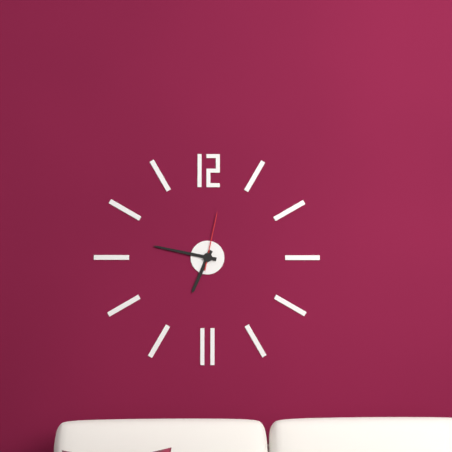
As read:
6,47,02
